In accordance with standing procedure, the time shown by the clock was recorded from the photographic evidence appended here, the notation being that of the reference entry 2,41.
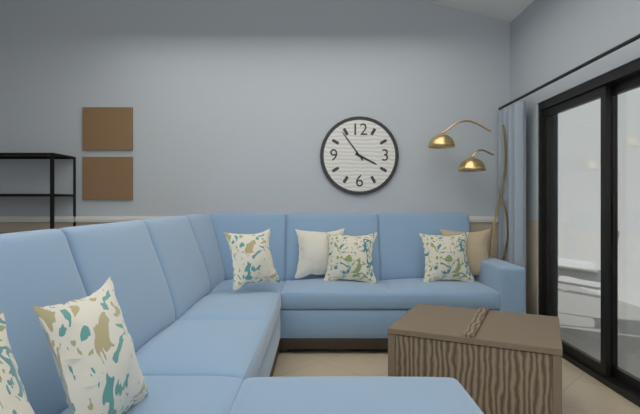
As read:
3,54
